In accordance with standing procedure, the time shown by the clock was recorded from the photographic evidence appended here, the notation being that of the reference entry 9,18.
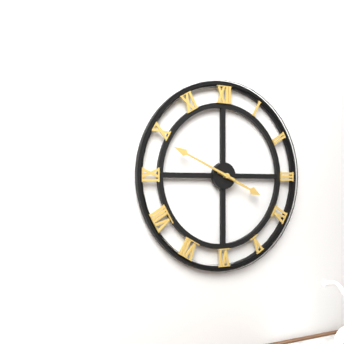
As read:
3,49
